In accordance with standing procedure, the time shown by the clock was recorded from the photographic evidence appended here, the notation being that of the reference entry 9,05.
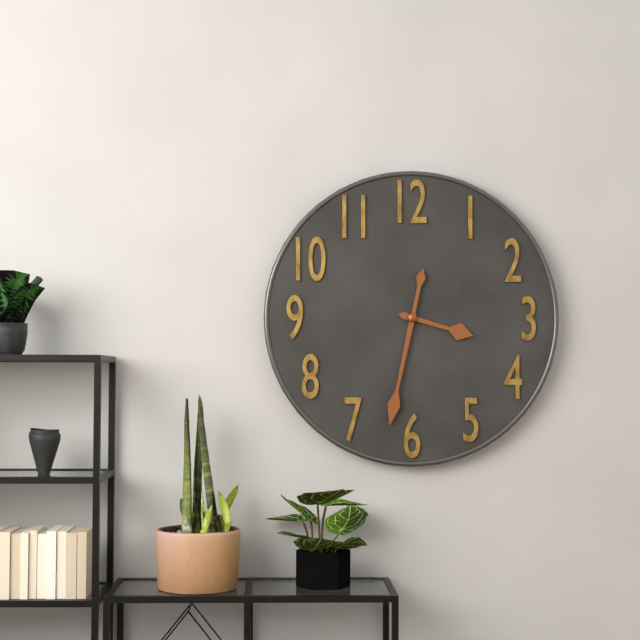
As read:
3,32
